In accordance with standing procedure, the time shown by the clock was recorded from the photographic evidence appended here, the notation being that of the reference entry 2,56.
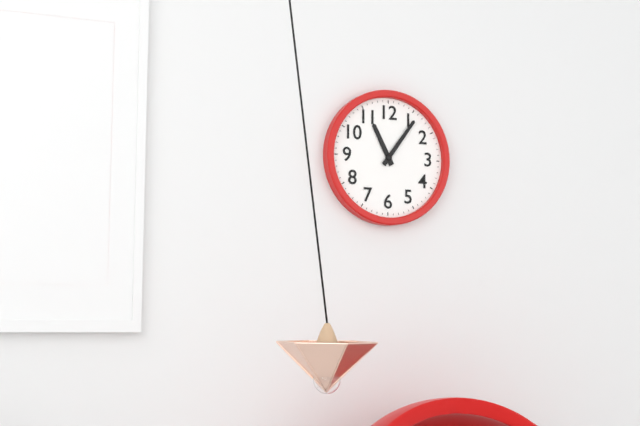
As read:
11,06
